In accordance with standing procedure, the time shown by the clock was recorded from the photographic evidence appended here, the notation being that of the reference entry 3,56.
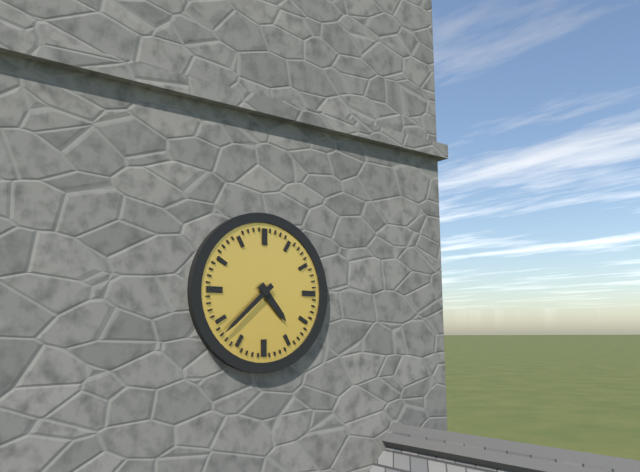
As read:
4,38
